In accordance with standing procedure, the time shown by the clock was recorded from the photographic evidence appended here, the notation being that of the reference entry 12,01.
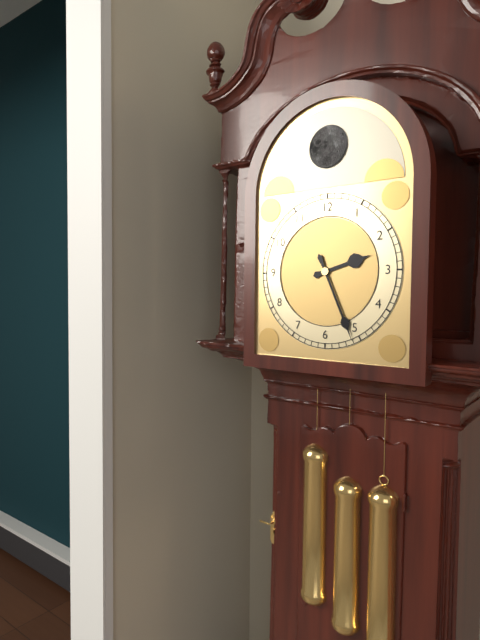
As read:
2,26
